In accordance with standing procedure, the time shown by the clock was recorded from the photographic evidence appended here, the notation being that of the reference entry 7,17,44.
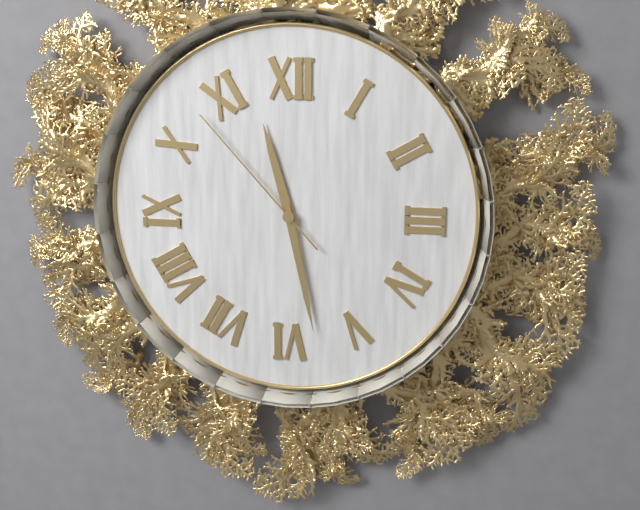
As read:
11,28,53
